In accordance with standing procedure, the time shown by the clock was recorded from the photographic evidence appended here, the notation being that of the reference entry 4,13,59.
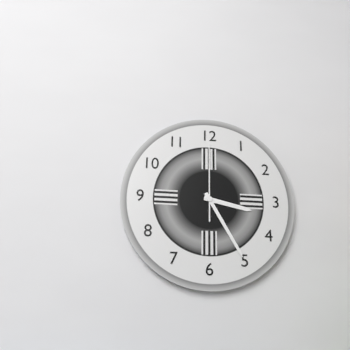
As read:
3,25,00
